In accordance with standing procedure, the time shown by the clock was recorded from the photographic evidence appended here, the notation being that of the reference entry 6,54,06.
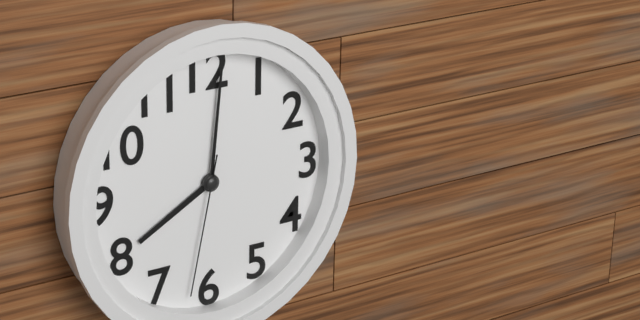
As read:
8,01,32
